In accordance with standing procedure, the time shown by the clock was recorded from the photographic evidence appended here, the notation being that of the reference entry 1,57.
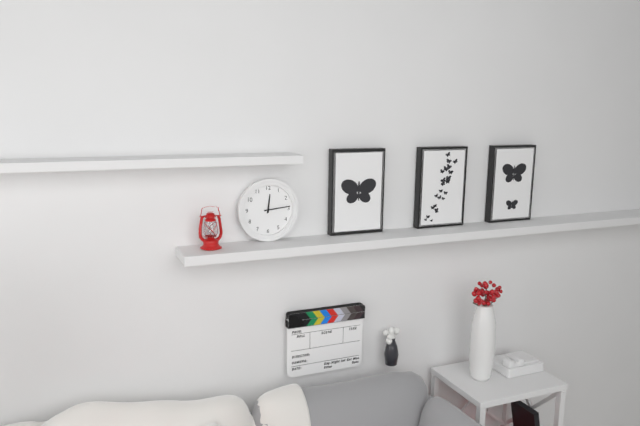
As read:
12,14
